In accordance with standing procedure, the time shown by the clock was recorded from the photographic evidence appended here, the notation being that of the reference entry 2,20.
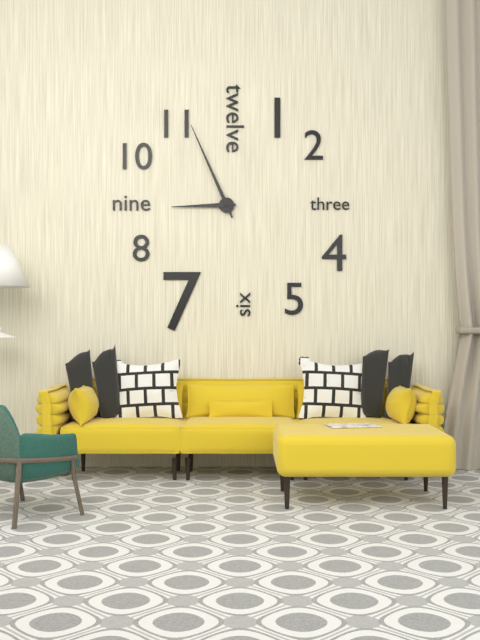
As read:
8,56
